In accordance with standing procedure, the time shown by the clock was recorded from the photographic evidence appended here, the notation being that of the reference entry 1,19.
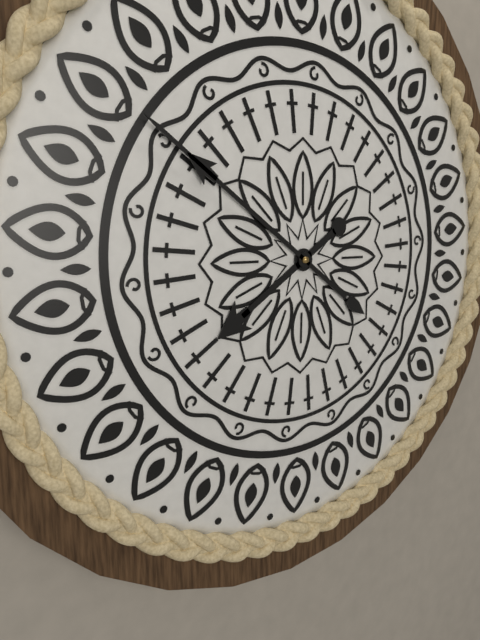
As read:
7,51
